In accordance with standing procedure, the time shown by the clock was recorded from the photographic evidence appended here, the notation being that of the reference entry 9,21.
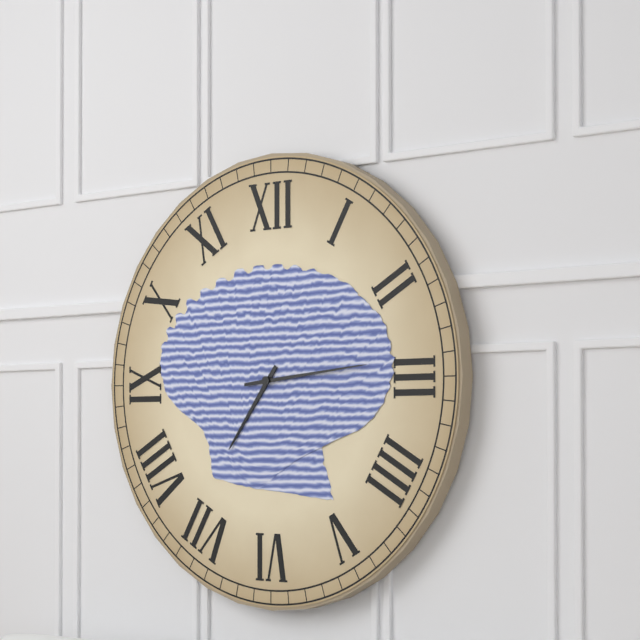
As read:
7,14
